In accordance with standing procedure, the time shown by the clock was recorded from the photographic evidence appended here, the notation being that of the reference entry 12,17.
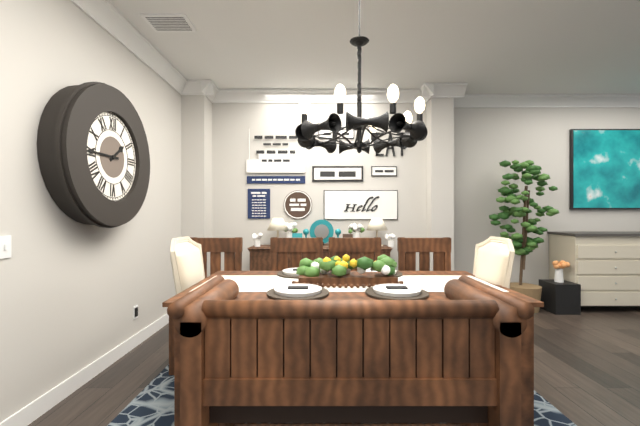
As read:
1,45
